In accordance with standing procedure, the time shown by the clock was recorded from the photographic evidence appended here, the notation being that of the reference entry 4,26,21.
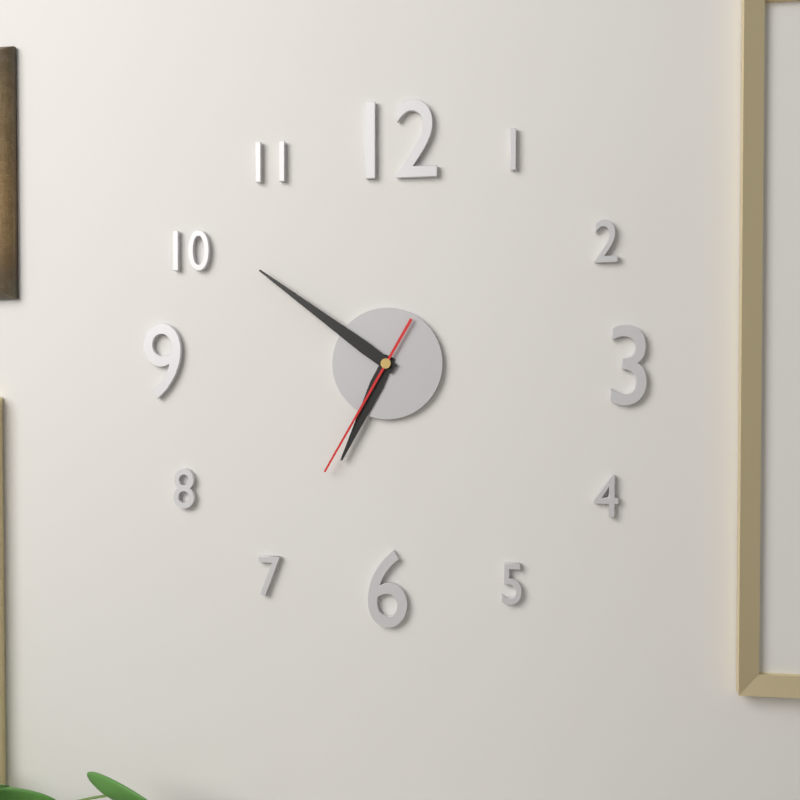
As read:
6,51,35
